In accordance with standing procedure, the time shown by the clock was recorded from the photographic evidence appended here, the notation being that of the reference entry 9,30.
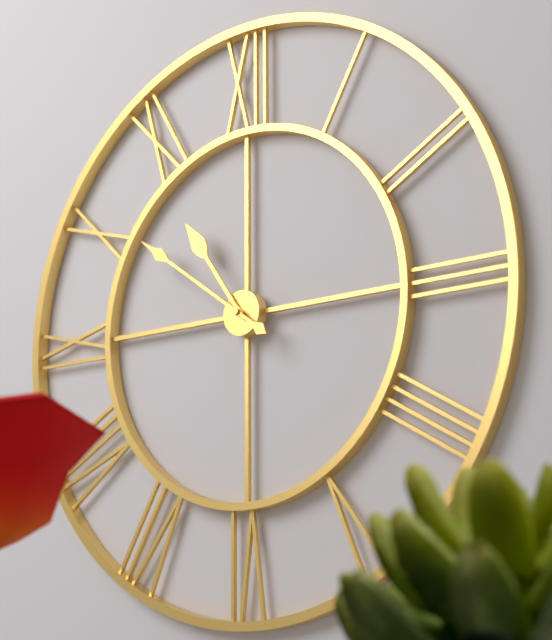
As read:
10,51
